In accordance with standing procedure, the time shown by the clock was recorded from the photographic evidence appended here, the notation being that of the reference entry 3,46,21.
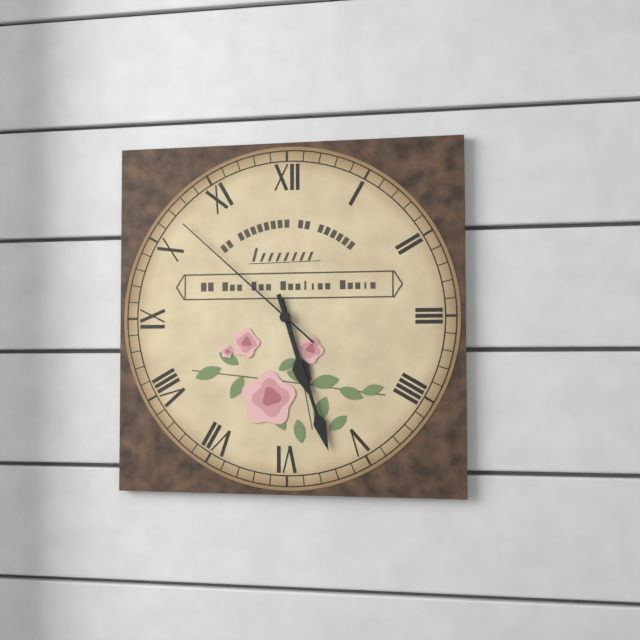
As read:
5,27,52
